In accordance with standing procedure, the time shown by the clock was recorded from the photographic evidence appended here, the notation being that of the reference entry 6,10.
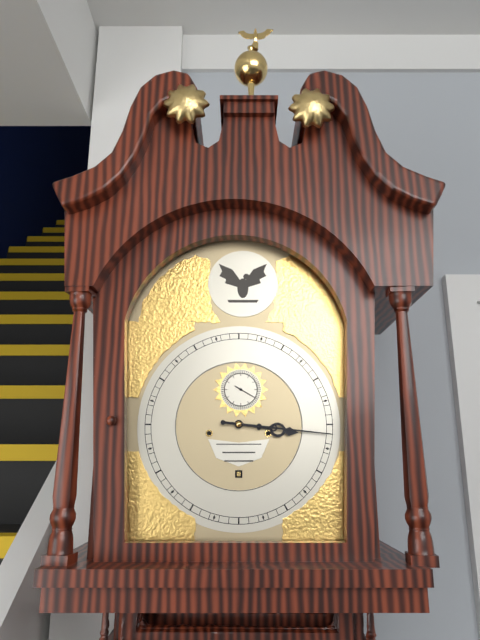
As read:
3,16
